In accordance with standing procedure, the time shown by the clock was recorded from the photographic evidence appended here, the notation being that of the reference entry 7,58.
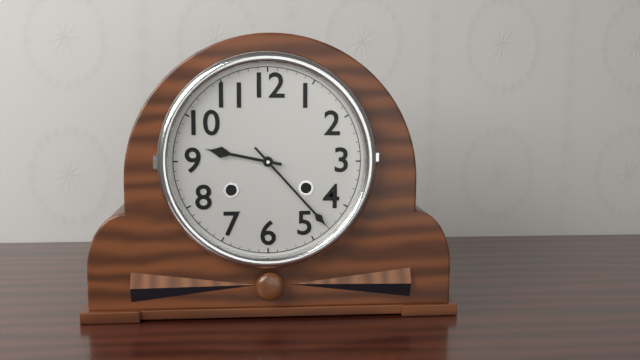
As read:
9,23
